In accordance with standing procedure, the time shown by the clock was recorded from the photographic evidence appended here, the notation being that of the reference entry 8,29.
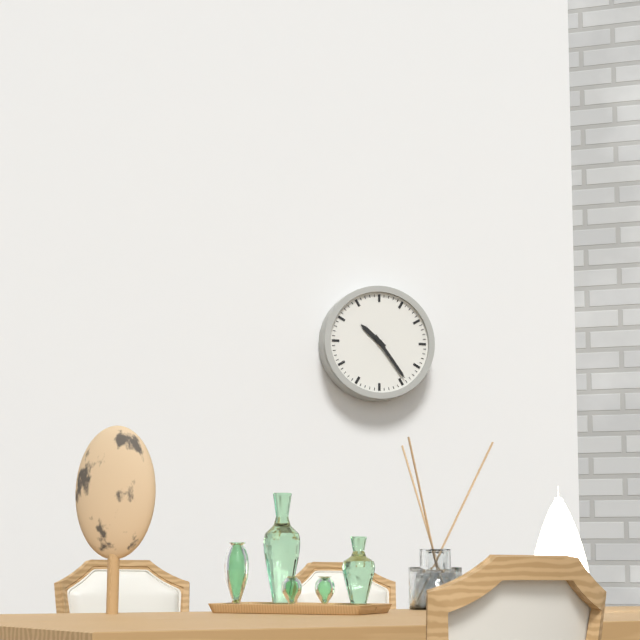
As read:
10,24
